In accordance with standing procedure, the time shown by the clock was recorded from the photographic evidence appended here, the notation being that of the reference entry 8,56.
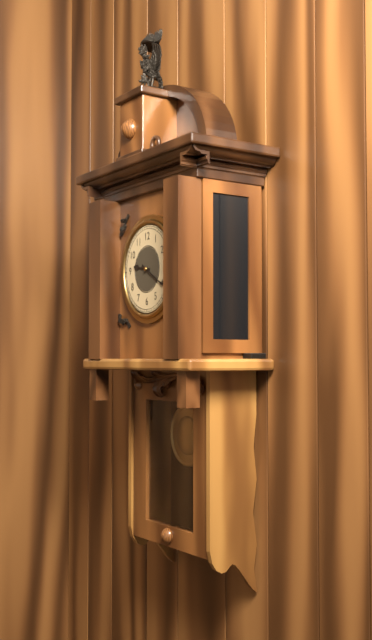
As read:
9,20
